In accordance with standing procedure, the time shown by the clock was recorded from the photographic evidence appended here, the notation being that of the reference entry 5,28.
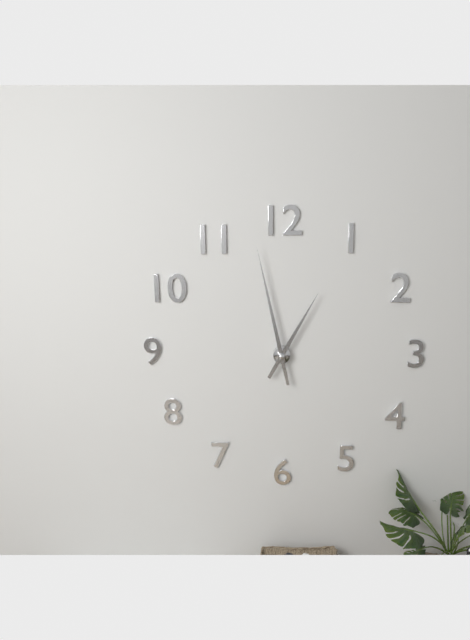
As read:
12,58
